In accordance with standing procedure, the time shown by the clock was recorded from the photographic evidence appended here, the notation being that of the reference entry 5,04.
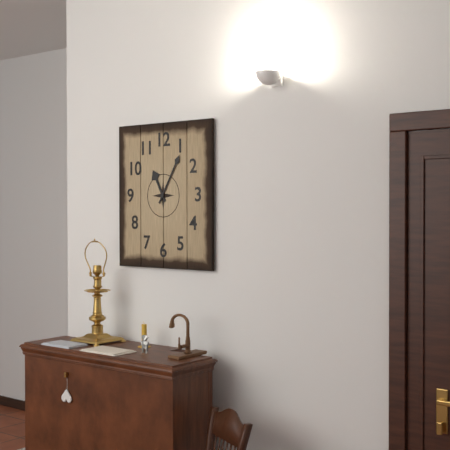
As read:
11,05
